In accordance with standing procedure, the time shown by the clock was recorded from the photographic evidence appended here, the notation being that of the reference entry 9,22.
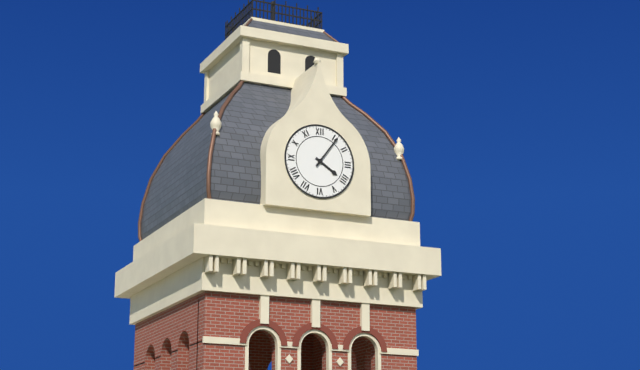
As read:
4,06
